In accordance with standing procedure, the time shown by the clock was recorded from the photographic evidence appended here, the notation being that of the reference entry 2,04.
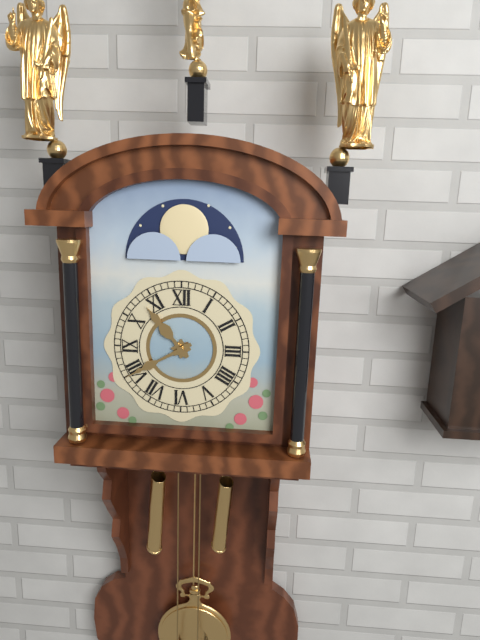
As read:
10,40
